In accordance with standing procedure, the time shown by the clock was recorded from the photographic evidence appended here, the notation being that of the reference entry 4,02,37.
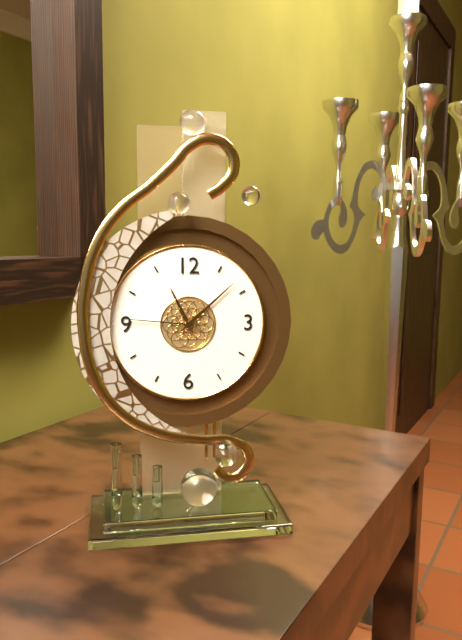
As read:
11,08,46
